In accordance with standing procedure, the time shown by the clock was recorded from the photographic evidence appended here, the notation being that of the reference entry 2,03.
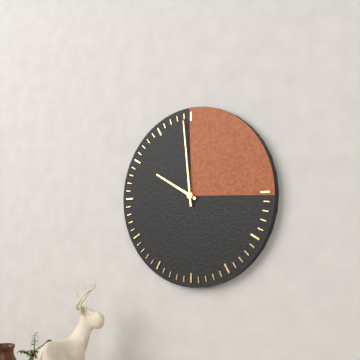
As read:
9,59
